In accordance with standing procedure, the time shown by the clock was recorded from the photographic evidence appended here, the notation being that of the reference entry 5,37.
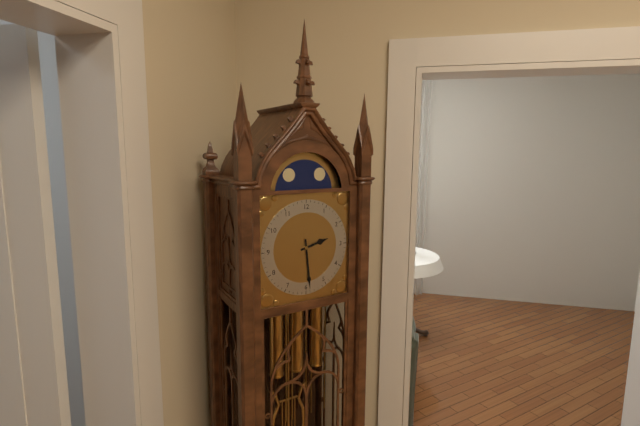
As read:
2,29
